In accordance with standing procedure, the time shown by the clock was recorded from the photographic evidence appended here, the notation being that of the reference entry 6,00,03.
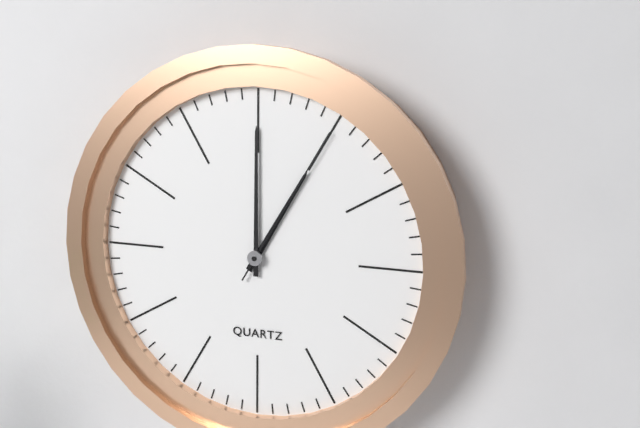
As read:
1,00,05
